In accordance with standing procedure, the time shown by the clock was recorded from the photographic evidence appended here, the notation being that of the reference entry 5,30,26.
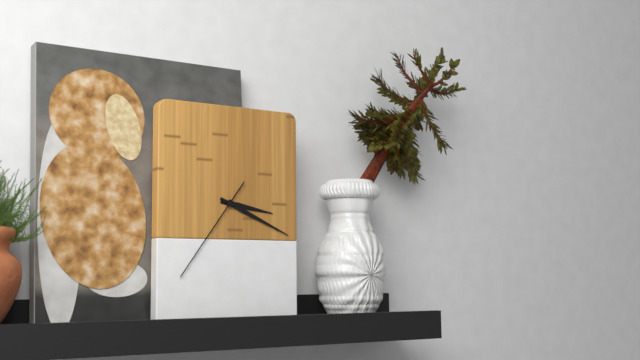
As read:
3,19,36
